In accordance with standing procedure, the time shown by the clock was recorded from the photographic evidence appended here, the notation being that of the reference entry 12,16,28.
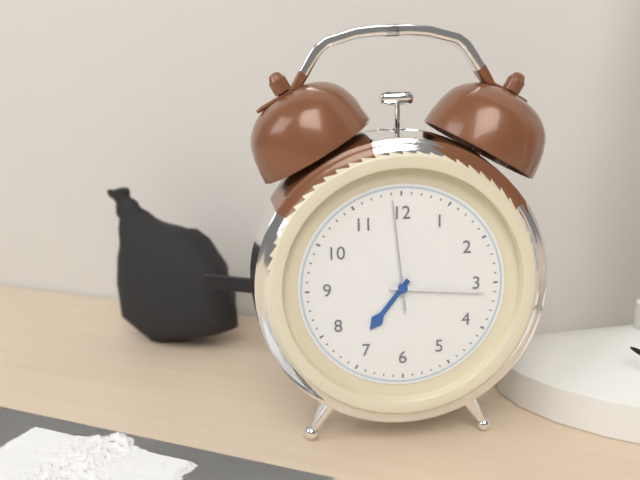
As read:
7,16,59
